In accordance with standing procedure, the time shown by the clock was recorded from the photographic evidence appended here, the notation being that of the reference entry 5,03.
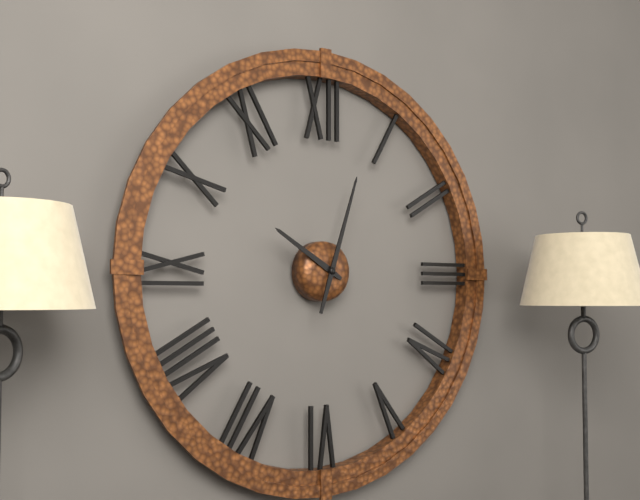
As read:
10,03
